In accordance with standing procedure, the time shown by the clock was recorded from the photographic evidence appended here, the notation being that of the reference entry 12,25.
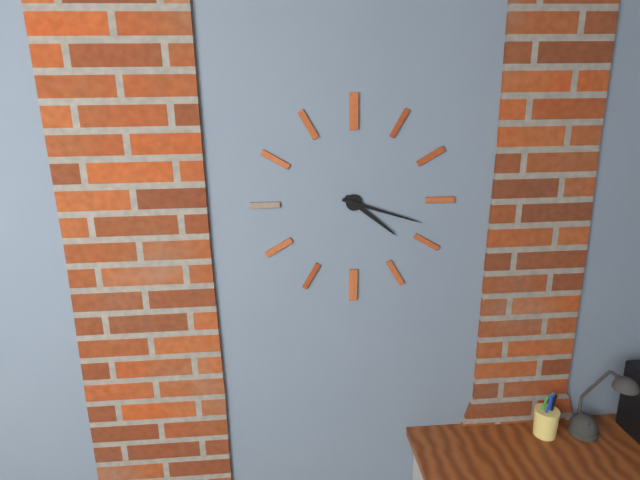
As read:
4,18
